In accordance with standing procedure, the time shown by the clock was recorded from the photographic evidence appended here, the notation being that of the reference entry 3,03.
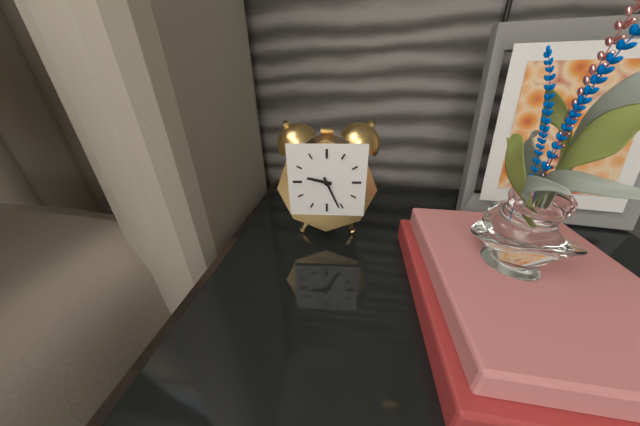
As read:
9,26
